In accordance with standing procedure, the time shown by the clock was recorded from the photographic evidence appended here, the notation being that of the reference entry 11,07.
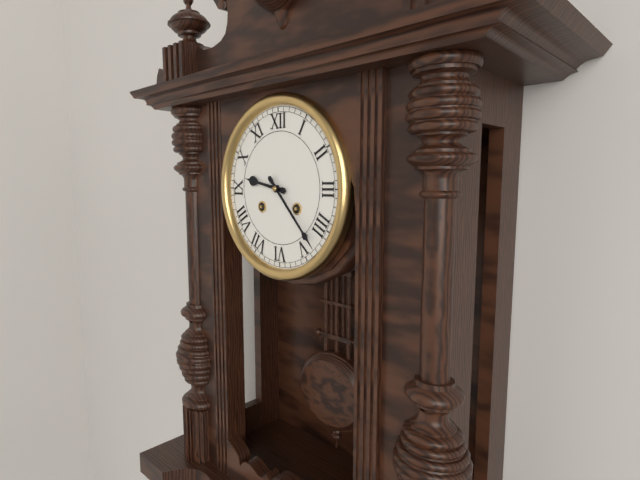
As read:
9,23
